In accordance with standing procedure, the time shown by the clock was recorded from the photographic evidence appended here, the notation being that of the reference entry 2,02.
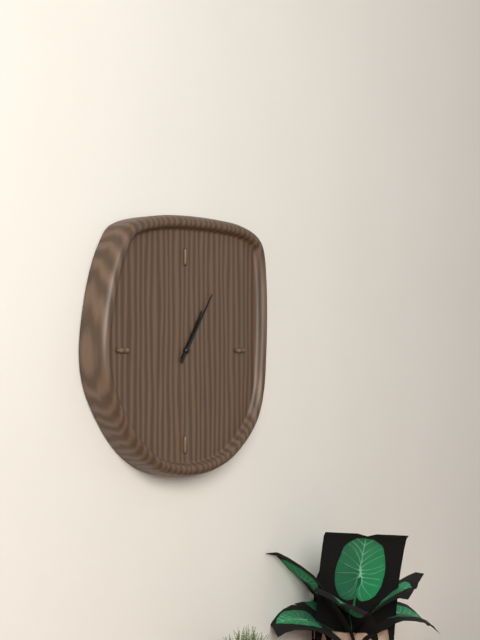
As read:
1,06
